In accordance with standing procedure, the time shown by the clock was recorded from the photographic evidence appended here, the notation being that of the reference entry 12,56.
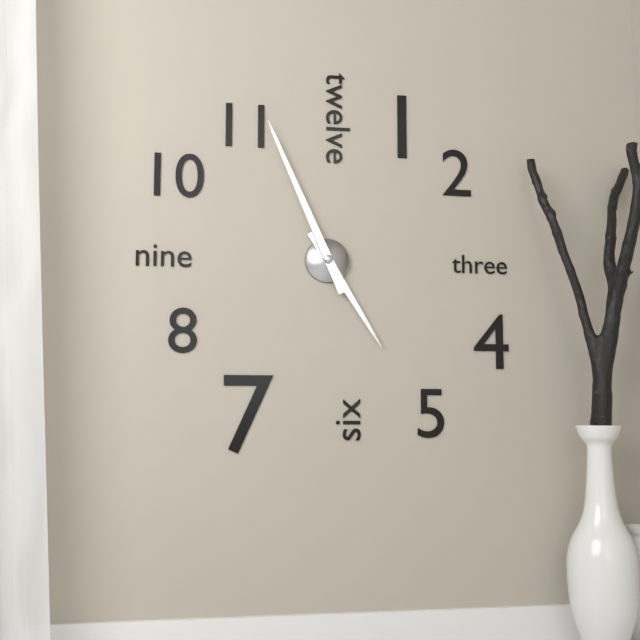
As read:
4,56
